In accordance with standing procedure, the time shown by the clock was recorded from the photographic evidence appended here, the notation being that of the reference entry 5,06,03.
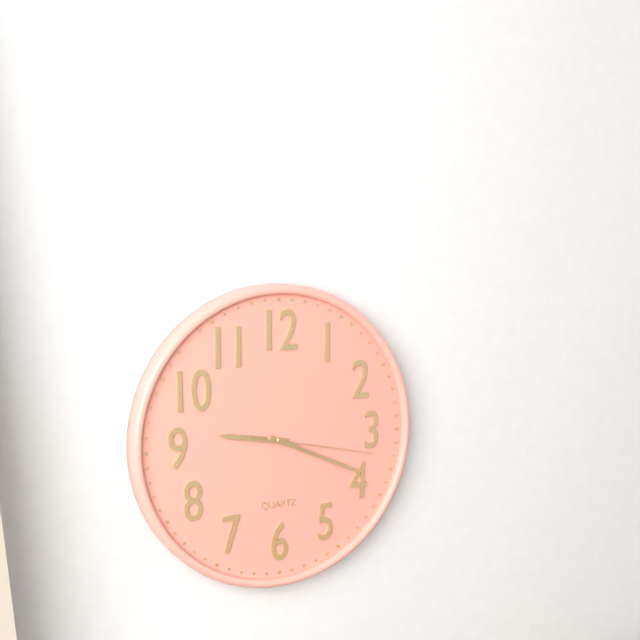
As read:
9,19,17
